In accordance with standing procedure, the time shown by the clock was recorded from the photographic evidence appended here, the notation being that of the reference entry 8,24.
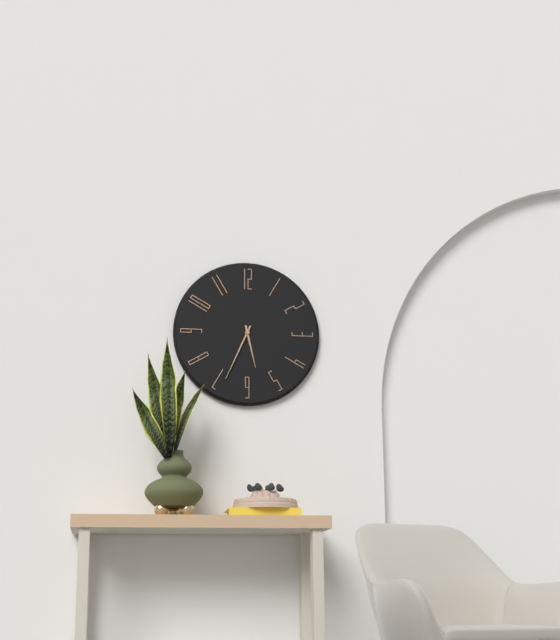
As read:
5,34
